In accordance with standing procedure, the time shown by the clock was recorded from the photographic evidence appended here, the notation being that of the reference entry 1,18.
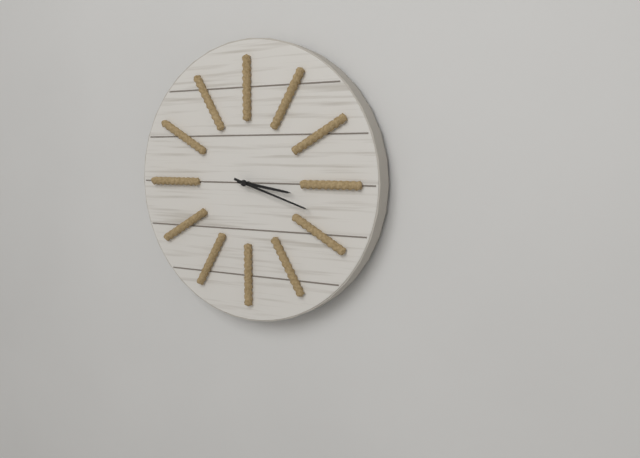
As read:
3,18
